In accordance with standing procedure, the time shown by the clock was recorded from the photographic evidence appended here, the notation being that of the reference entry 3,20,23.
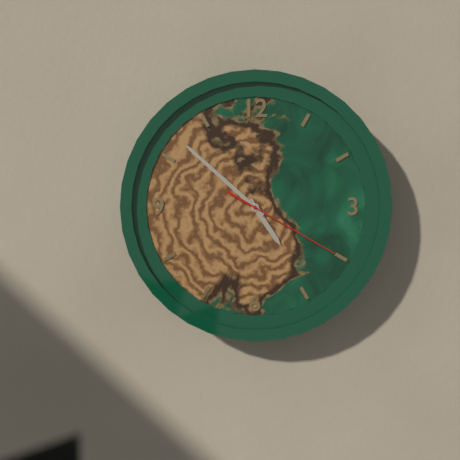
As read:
4,52,20
